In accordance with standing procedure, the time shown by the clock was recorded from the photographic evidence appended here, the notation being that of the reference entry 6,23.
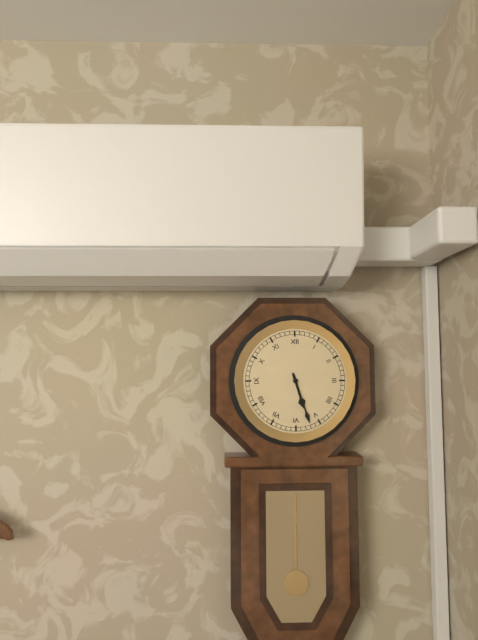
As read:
5,27
